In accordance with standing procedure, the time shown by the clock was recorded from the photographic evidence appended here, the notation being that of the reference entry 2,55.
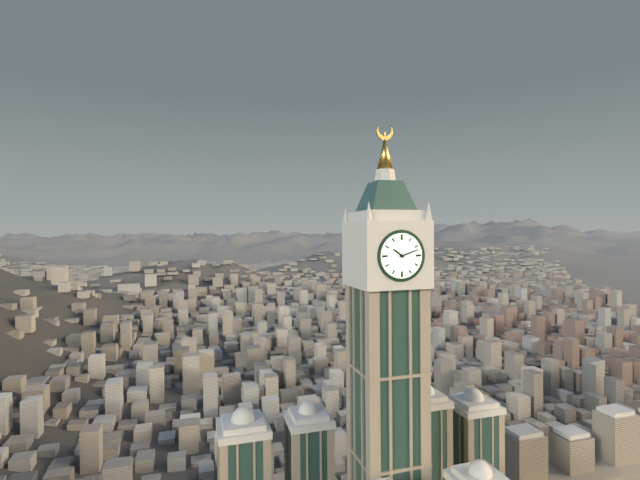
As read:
10,12
